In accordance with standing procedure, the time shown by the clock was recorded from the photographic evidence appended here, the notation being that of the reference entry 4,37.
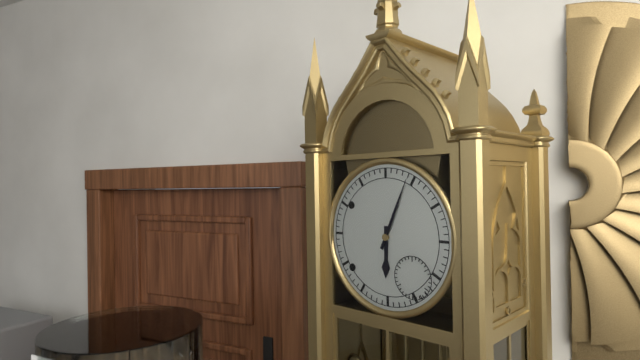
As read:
6,04
